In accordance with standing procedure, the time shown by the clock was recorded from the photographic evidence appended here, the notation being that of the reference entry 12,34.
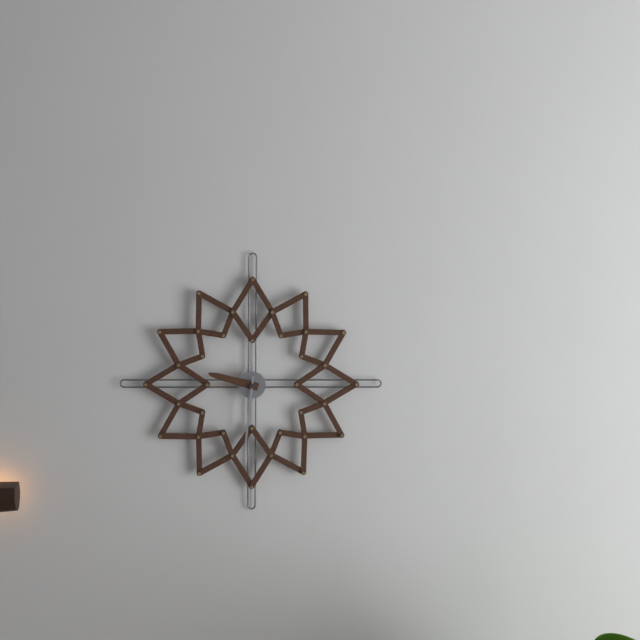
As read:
9,31
